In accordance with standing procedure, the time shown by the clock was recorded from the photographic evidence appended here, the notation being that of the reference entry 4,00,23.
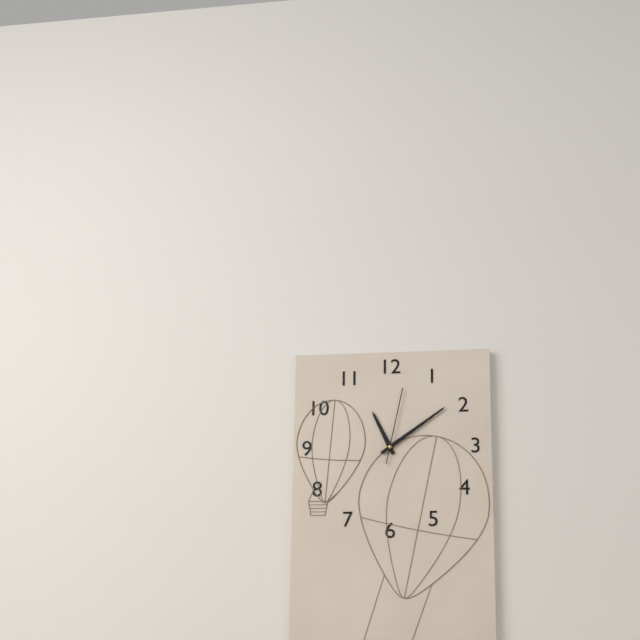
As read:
11,09,02
